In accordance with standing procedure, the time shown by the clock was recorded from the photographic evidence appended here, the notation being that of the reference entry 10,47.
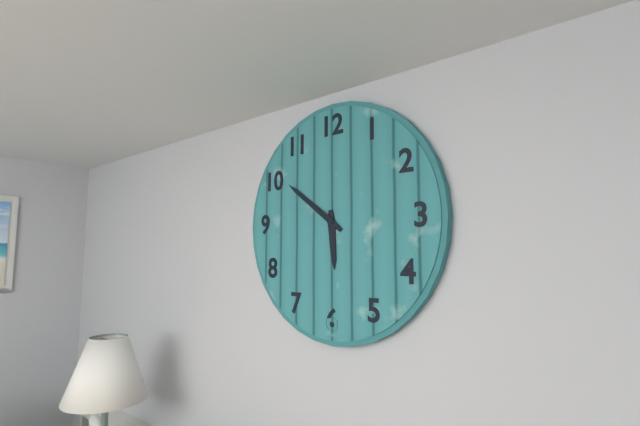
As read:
5,51
